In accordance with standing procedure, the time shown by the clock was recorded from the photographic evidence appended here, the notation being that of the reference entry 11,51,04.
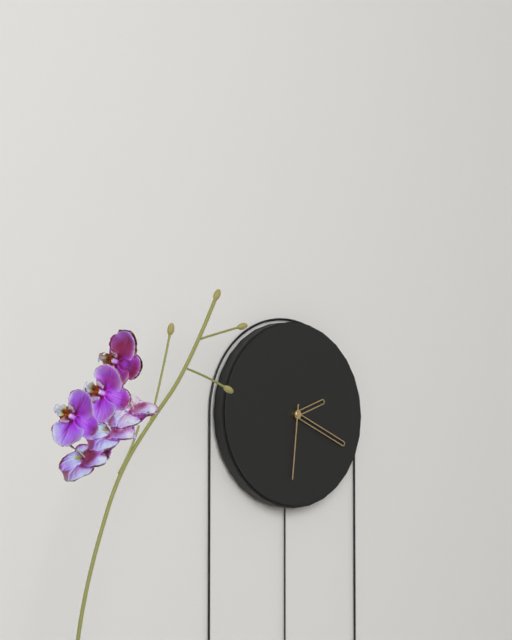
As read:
2,19,31
